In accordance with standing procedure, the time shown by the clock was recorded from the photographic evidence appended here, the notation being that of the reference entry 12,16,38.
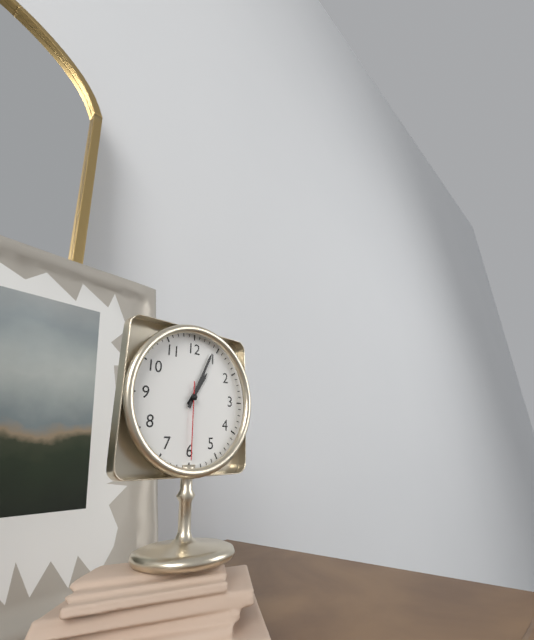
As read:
1,04,30
